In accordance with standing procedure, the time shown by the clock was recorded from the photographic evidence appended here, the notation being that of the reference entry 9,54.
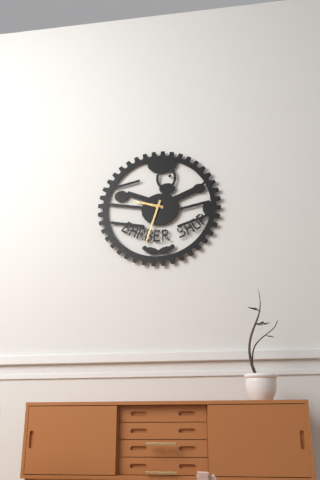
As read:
9,33
